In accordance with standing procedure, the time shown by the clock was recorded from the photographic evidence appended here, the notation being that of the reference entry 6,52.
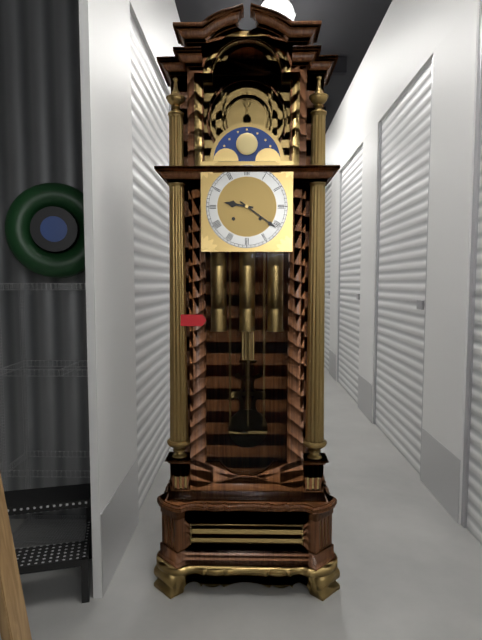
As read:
9,21
